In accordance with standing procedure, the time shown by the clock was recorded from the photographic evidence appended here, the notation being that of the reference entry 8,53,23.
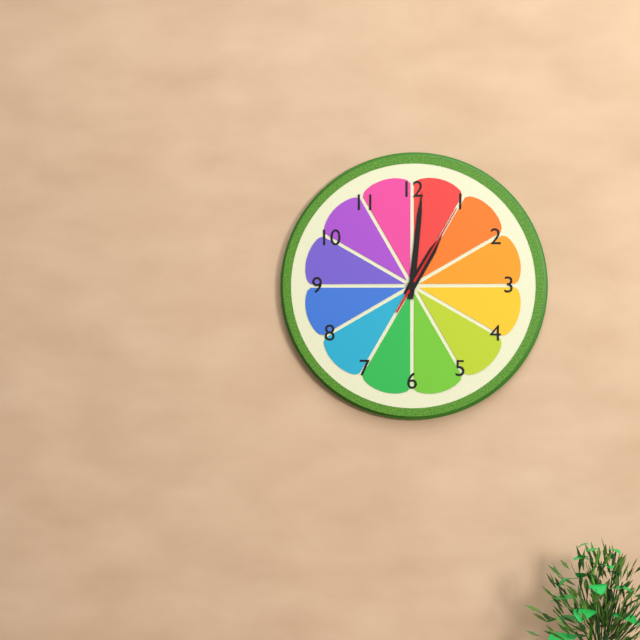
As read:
1,01,05
